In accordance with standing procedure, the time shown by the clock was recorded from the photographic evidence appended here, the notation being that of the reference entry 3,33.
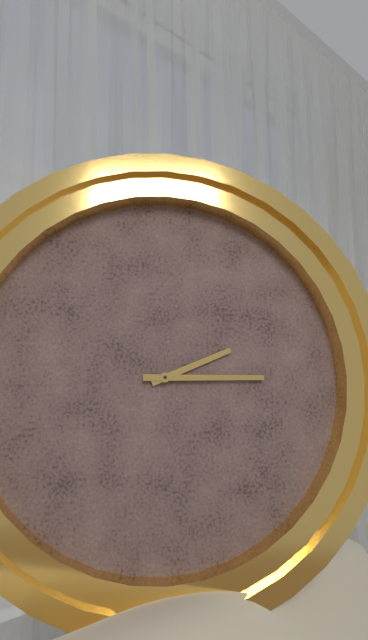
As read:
2,15
